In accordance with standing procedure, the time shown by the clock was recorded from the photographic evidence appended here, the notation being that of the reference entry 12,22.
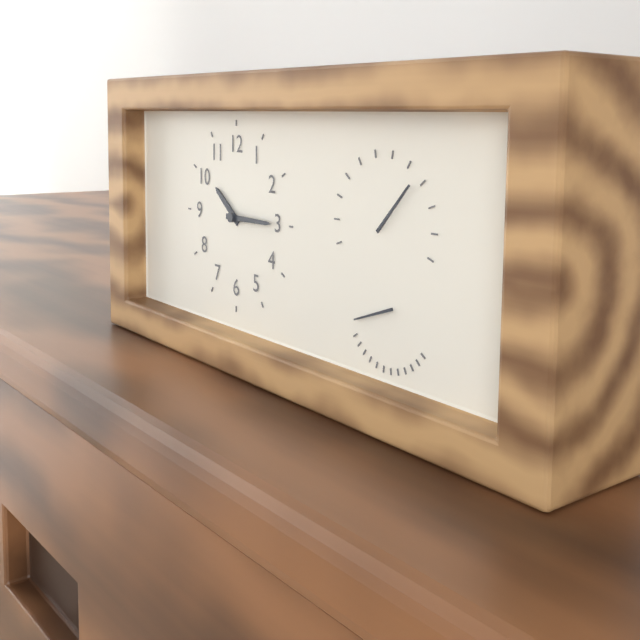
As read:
10,15
